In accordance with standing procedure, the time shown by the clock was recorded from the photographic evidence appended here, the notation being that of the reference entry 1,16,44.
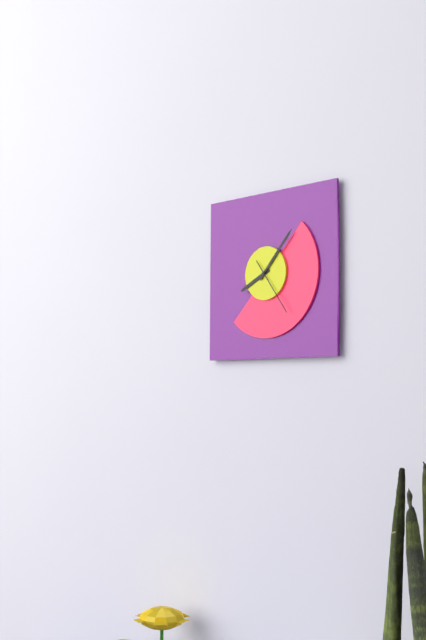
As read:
8,07,24
